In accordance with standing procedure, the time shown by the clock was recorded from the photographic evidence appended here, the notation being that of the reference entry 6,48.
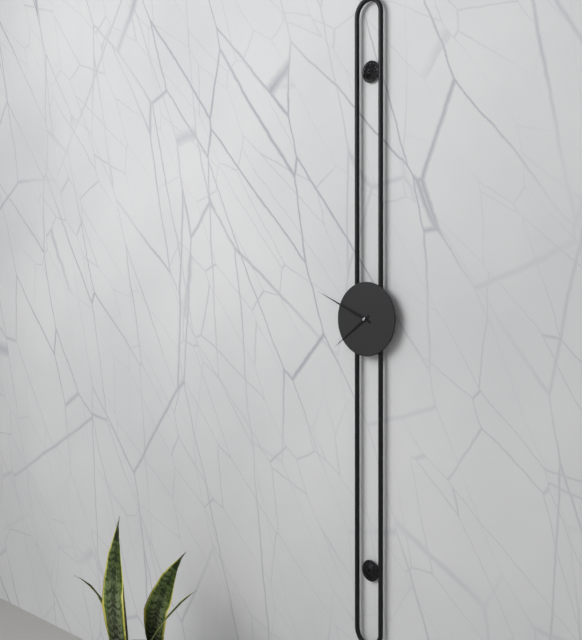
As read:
7,49
